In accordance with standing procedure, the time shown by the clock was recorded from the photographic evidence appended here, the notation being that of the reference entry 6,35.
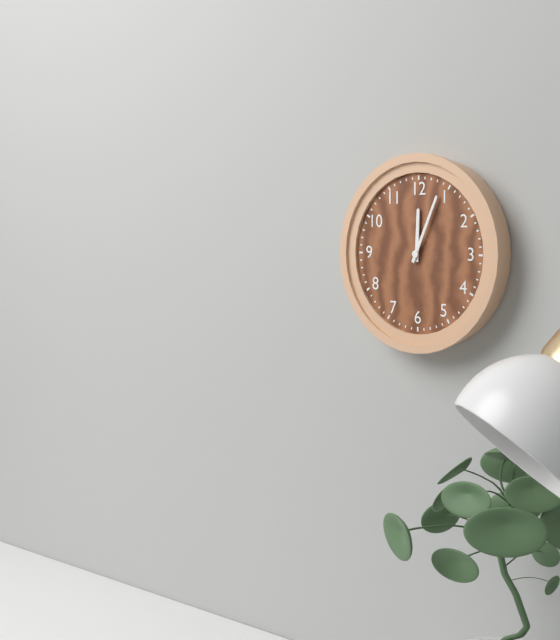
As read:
12,04
